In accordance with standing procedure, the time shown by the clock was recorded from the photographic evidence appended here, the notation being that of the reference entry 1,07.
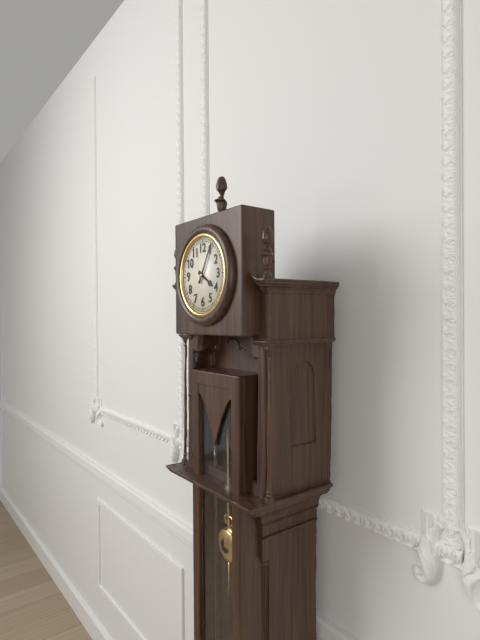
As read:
4,05
